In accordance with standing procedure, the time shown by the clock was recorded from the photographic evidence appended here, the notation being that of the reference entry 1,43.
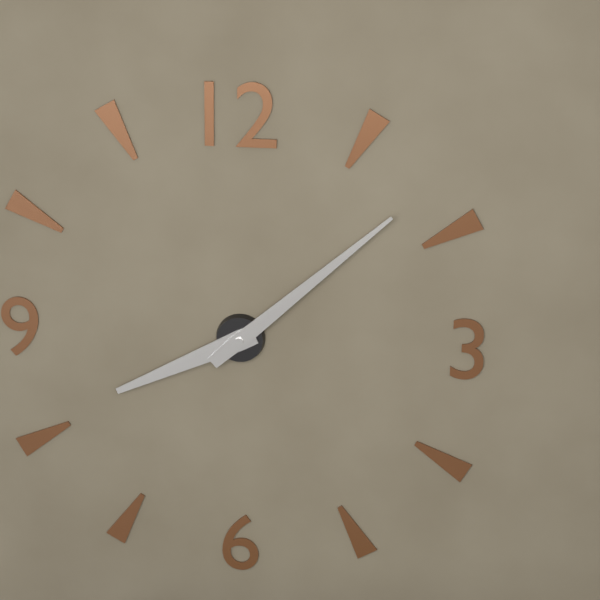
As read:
8,08
